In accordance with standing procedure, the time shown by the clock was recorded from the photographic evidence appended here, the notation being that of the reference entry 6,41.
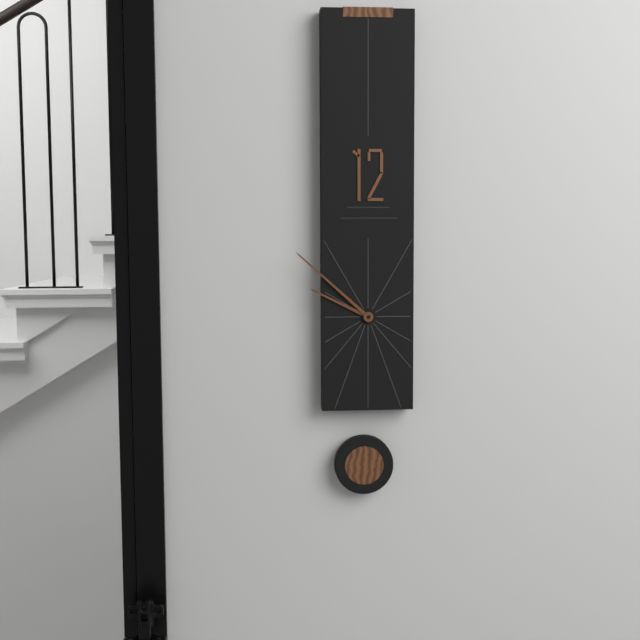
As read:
9,52
